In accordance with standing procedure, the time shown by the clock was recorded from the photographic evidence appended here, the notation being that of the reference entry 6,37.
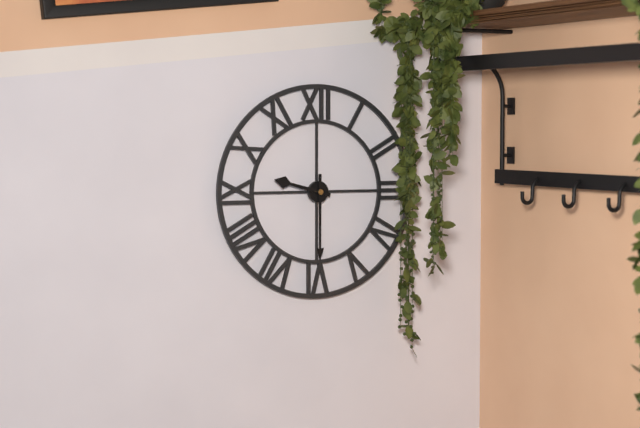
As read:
9,30
